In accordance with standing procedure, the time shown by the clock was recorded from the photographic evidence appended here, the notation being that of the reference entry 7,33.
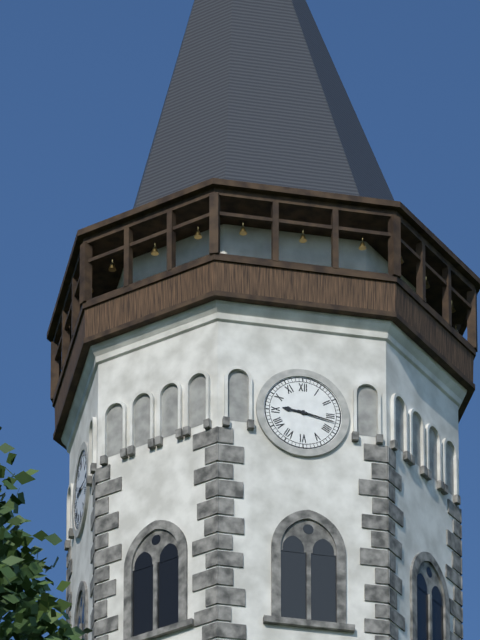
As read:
9,17
